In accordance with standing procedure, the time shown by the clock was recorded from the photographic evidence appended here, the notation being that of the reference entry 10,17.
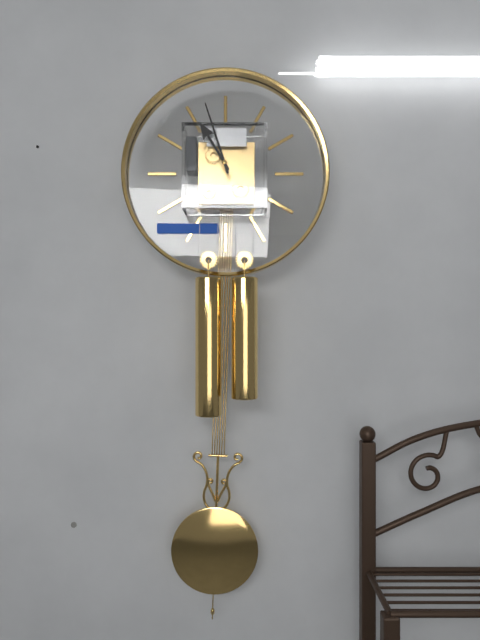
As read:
10,57
